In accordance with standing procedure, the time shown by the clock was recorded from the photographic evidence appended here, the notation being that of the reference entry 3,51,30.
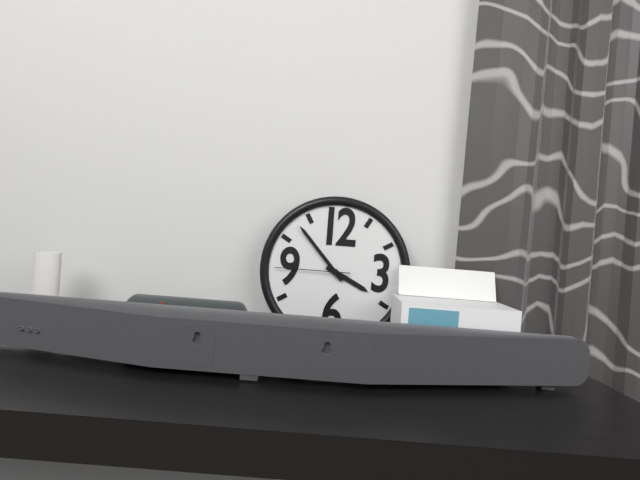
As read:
3,53,45
